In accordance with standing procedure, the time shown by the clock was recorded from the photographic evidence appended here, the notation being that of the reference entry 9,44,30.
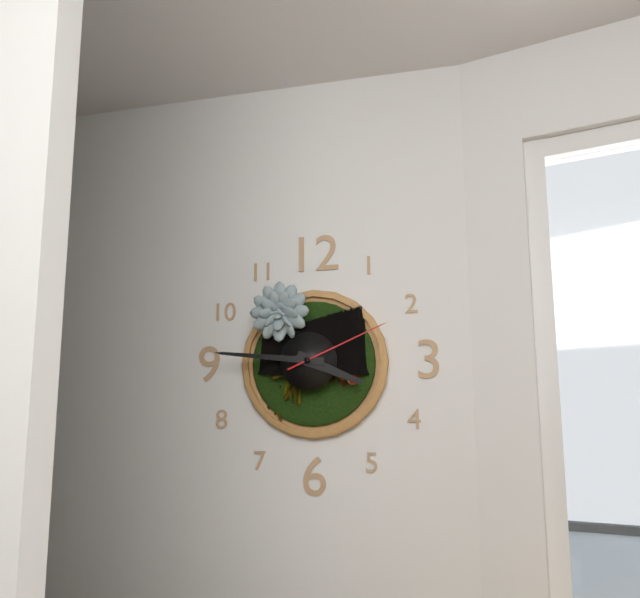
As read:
3,46,11
